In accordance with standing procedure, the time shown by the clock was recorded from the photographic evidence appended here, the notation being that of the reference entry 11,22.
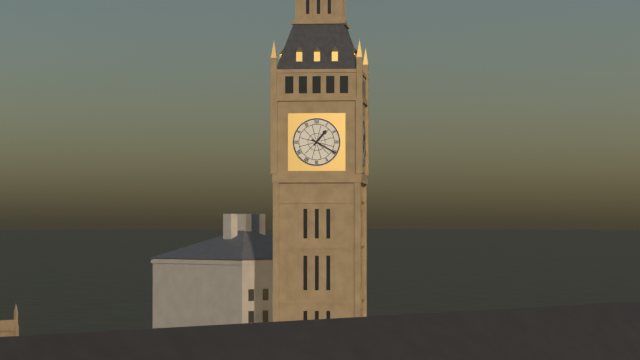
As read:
1,20
